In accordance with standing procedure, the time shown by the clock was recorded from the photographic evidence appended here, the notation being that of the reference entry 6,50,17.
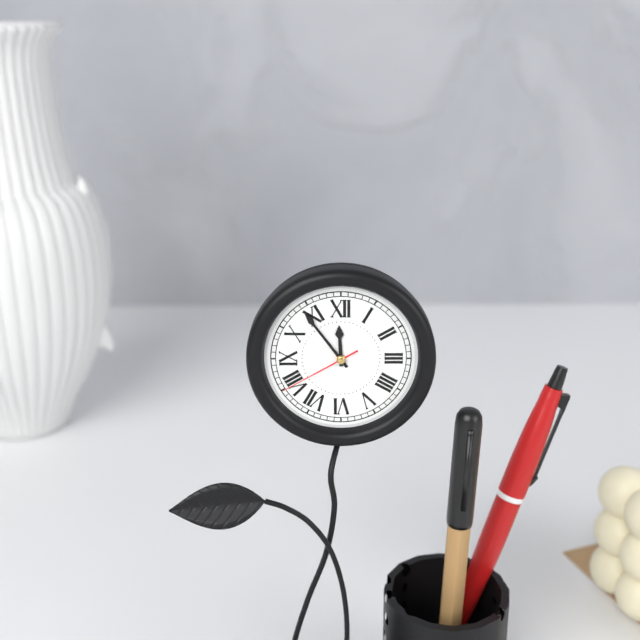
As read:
11,54,40
